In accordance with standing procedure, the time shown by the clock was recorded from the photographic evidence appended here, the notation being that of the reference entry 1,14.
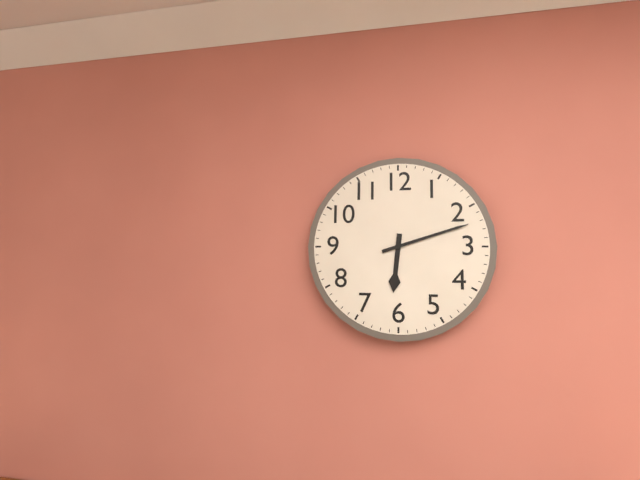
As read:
6,12
